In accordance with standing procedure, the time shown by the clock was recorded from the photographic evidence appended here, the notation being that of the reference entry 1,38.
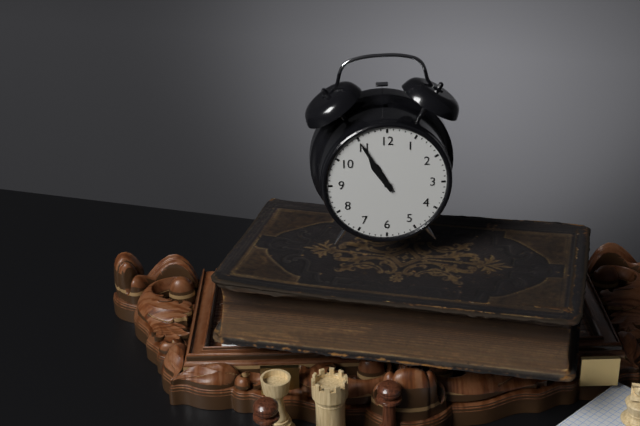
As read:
10,55
